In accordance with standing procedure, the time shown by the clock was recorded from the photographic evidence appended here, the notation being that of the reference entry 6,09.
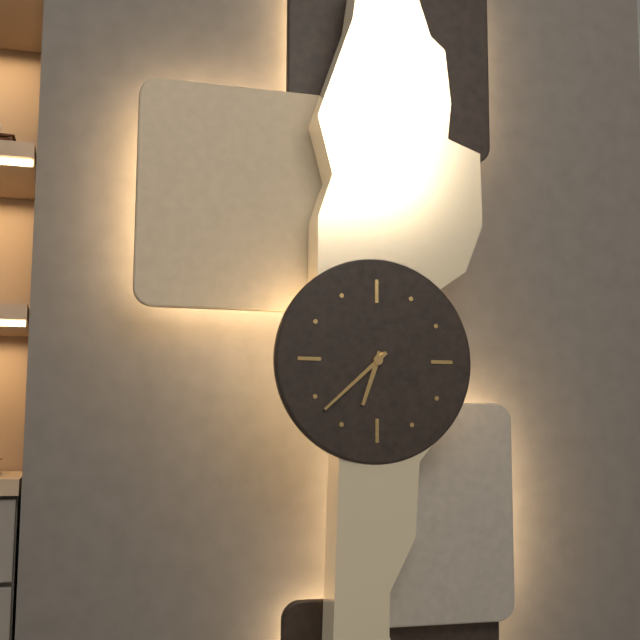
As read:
6,38
